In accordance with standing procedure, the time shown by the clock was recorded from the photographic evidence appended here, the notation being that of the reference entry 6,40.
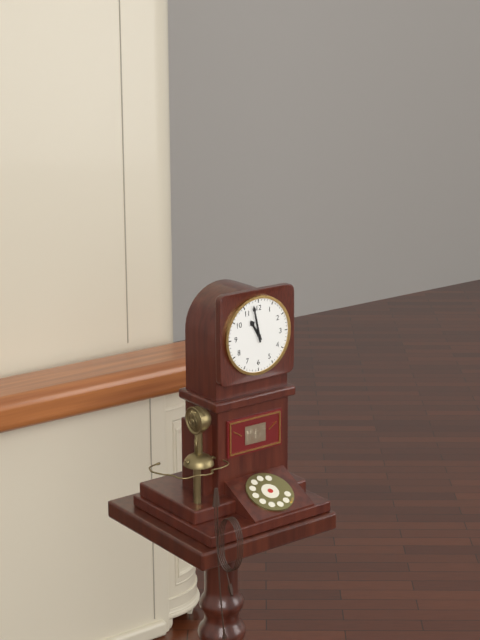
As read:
10,58
